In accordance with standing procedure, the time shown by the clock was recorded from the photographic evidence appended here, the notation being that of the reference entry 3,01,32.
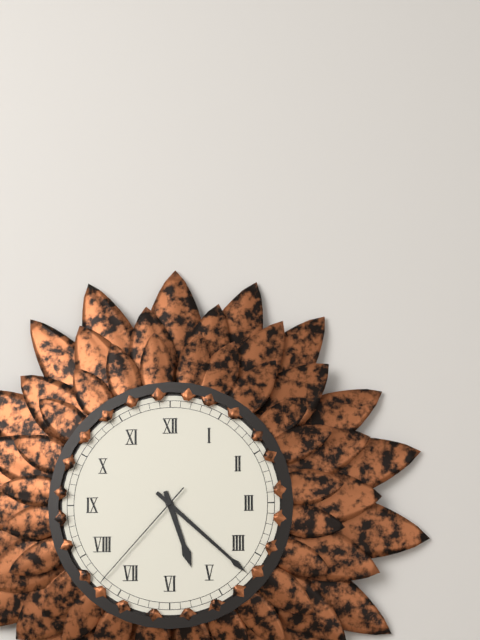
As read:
5,22,37
